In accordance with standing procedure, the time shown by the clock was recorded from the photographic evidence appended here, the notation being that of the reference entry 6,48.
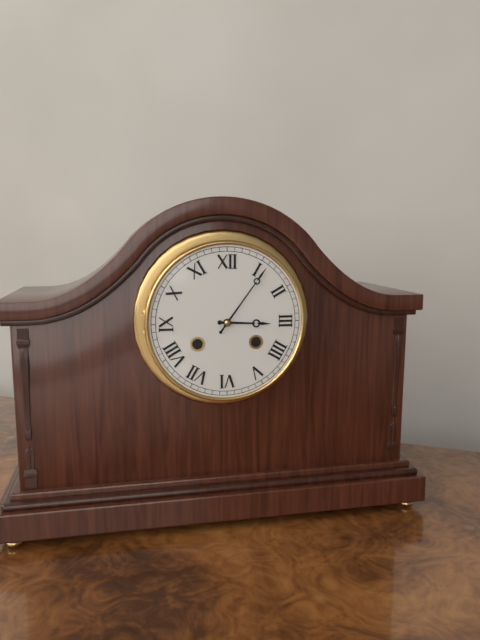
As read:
3,06
